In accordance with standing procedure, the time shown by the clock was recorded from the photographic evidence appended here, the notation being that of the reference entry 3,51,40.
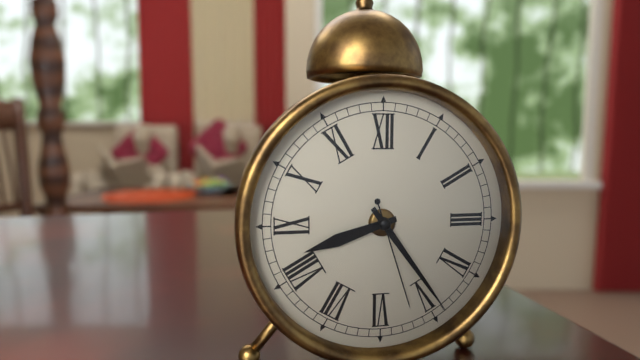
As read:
8,24,27
